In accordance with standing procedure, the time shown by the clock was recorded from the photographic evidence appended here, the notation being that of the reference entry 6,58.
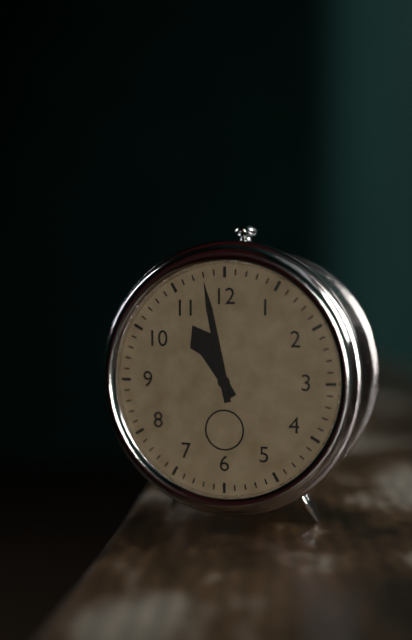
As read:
10,58
